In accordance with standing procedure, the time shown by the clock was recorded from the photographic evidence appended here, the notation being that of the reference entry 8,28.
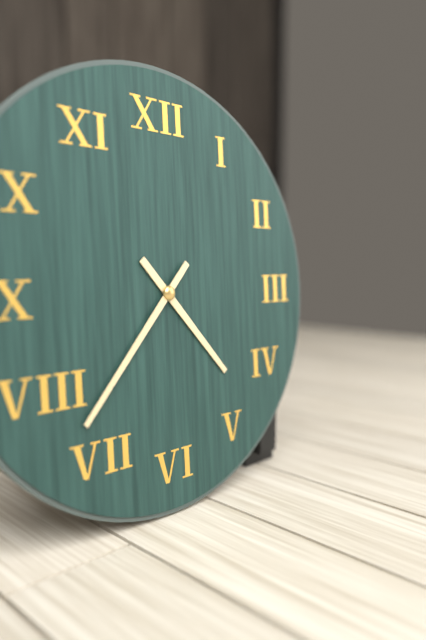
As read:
4,37
